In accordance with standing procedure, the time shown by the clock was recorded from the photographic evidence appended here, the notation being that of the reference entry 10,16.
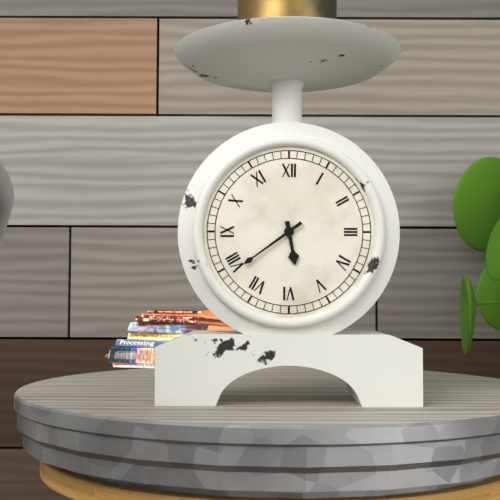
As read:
5,39
